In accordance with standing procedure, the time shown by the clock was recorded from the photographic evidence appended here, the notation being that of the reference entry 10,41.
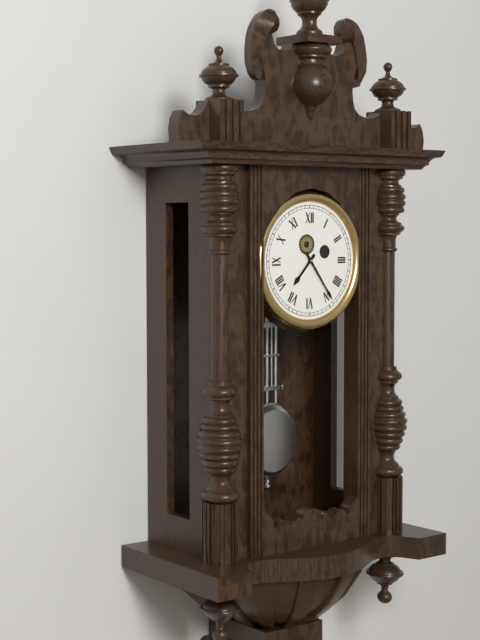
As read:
7,24
